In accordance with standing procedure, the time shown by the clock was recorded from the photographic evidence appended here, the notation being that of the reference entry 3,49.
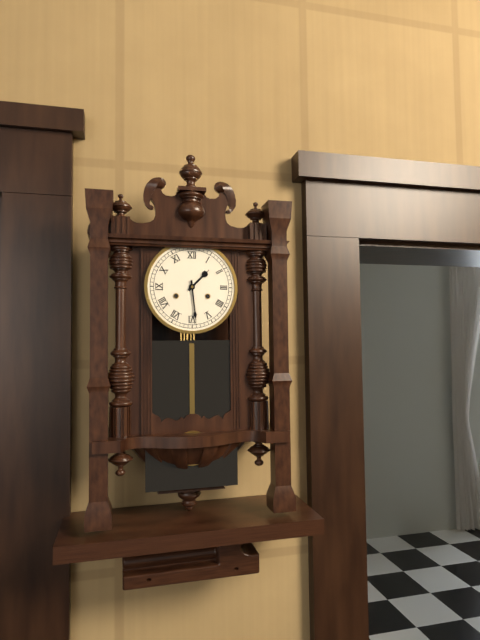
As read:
1,29
